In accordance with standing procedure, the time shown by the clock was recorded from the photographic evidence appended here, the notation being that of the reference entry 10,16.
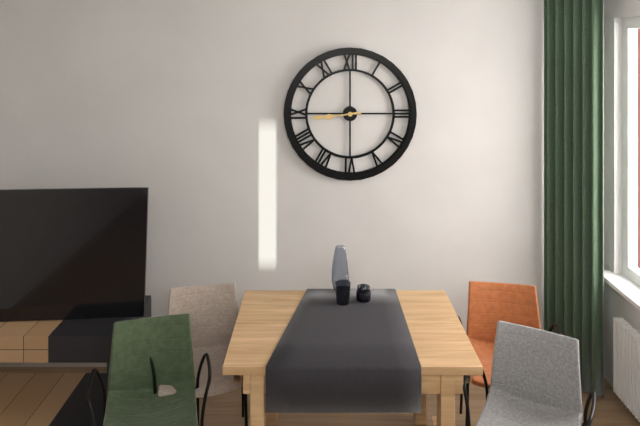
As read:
8,44
